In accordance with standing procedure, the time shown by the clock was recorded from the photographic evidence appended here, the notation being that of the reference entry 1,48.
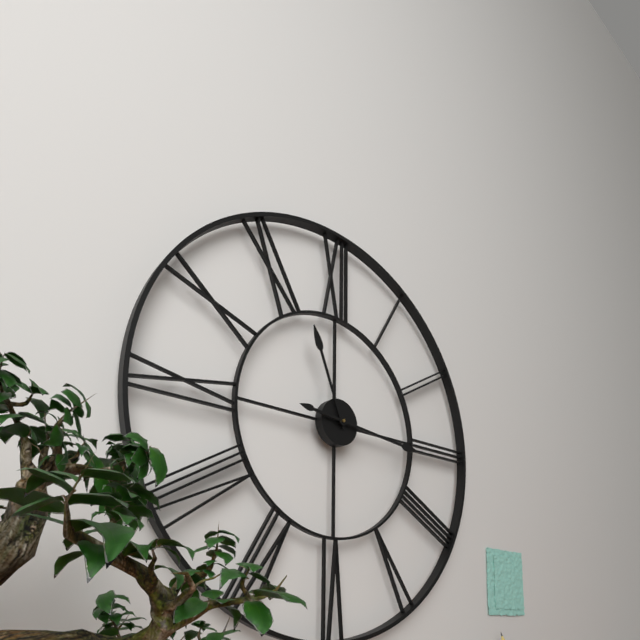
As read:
11,16
